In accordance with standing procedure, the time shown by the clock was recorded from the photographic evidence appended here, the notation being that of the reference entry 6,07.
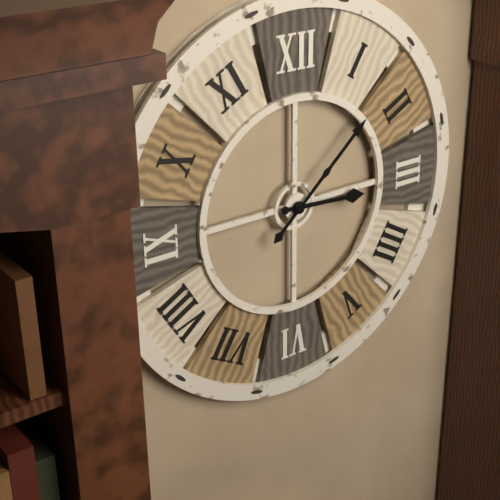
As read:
3,08
